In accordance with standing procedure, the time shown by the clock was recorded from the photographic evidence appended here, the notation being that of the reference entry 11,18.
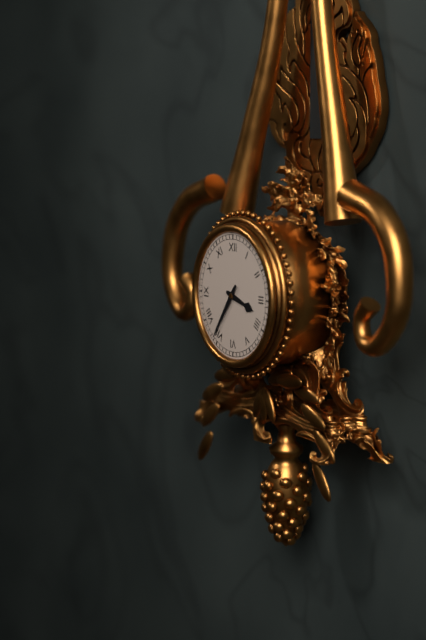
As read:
3,36
